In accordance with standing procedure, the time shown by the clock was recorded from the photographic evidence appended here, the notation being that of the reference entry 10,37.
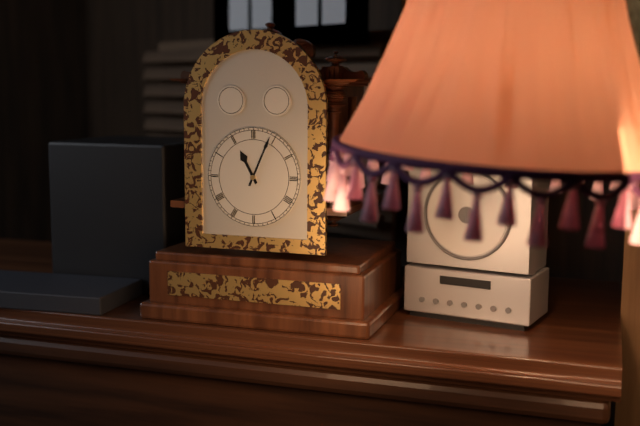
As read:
11,04
